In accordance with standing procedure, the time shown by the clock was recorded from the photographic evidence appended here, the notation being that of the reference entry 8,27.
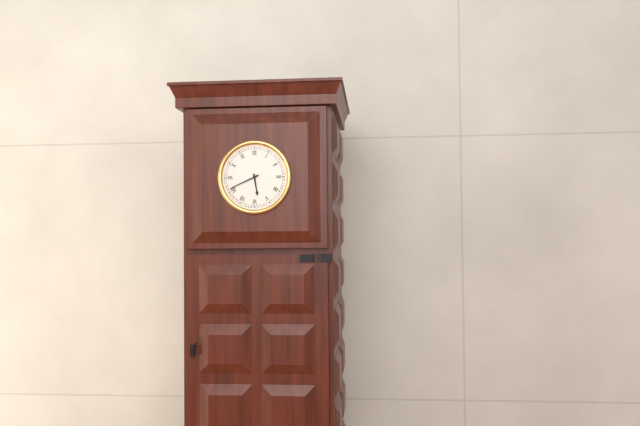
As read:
5,41
